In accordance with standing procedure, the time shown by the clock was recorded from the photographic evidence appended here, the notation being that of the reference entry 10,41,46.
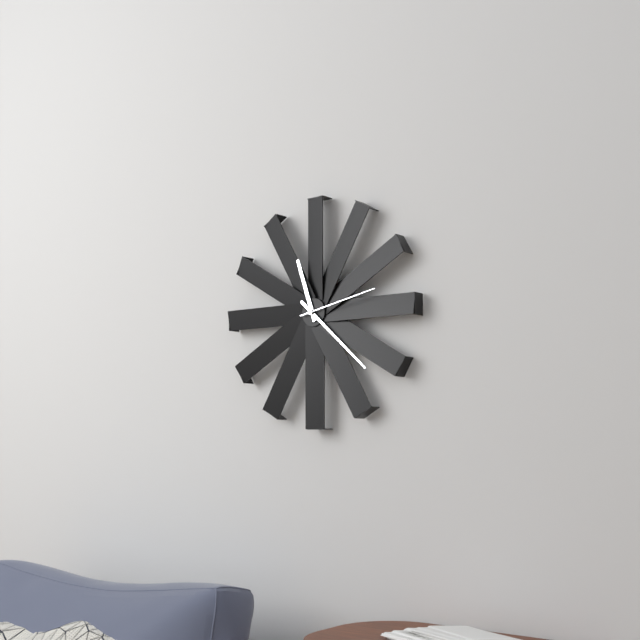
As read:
11,22,13
